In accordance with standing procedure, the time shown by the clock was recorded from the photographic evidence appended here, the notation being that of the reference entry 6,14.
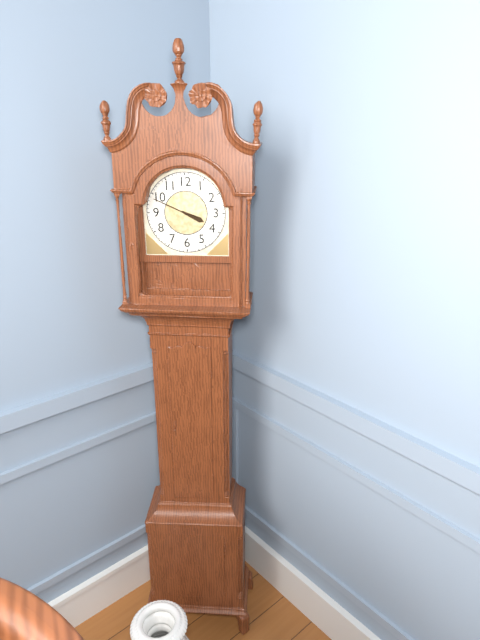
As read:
3,49
